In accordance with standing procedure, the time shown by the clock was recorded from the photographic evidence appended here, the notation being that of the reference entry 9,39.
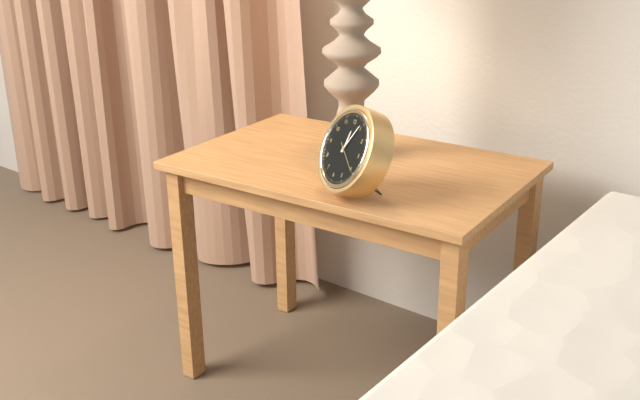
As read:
12,04
